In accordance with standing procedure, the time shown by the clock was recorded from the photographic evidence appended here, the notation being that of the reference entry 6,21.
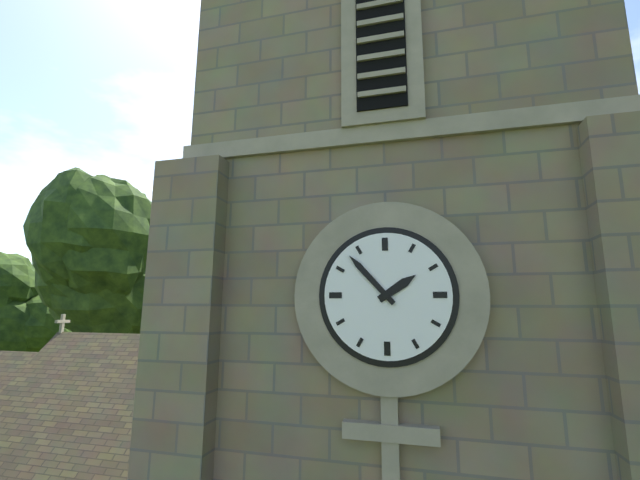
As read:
1,53
